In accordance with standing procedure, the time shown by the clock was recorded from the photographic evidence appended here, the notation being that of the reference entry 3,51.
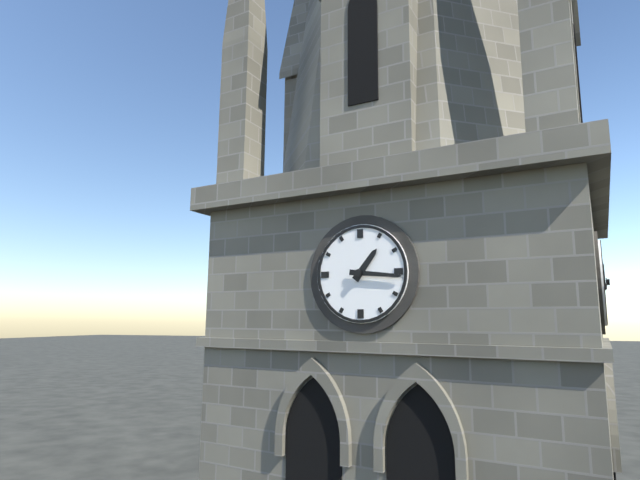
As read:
1,16
